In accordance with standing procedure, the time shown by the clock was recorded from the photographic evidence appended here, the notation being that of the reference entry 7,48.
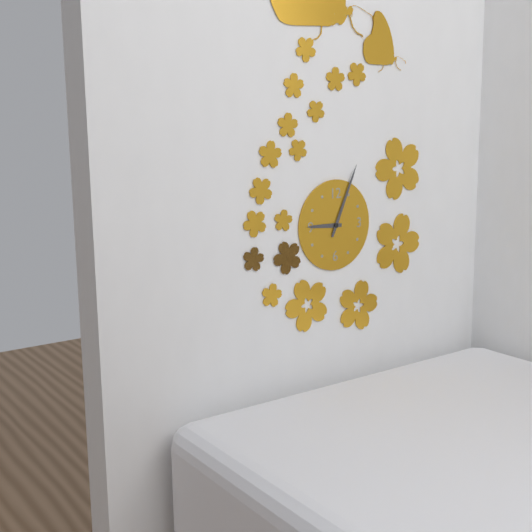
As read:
9,04
